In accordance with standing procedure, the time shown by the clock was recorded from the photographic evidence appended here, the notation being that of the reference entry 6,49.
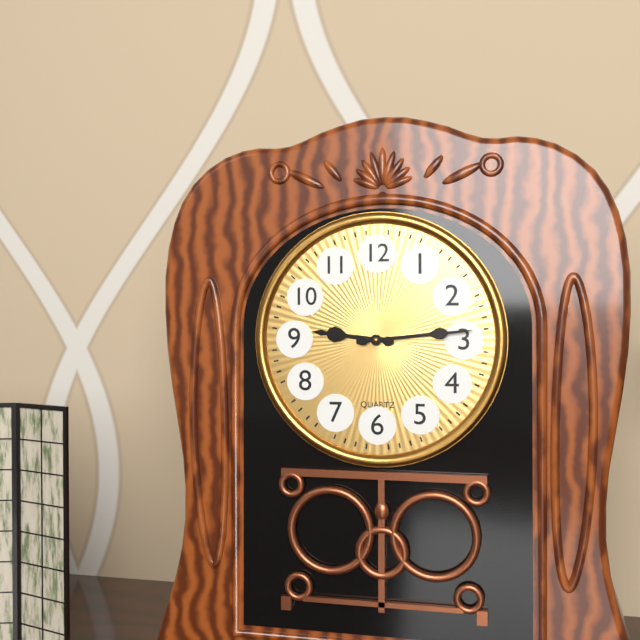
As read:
9,14
